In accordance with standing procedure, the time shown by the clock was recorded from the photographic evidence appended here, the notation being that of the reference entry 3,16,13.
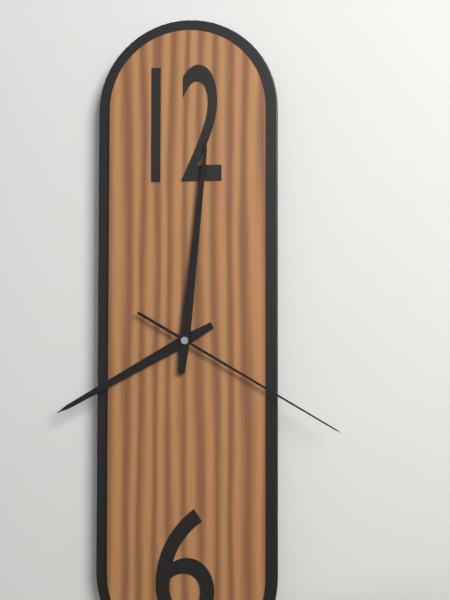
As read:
8,01,20
